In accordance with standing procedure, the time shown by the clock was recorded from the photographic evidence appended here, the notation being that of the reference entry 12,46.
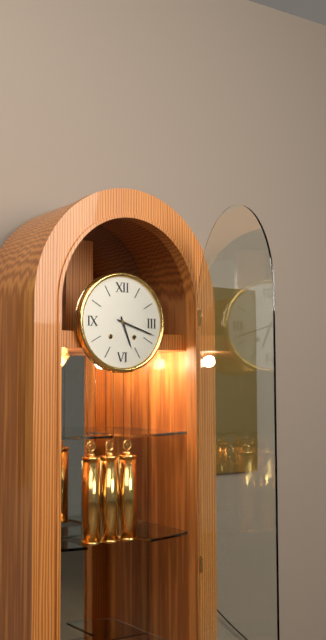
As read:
5,18
